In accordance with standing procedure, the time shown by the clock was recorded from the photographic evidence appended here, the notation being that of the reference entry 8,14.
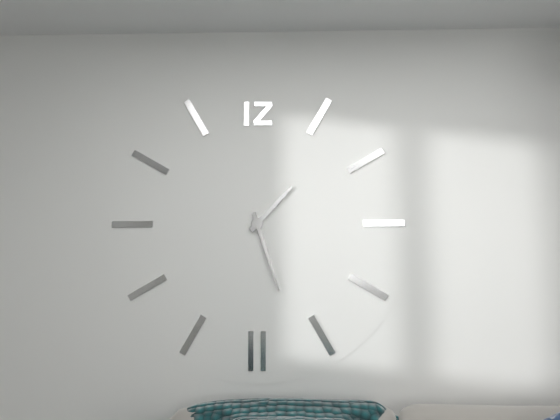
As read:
1,27
